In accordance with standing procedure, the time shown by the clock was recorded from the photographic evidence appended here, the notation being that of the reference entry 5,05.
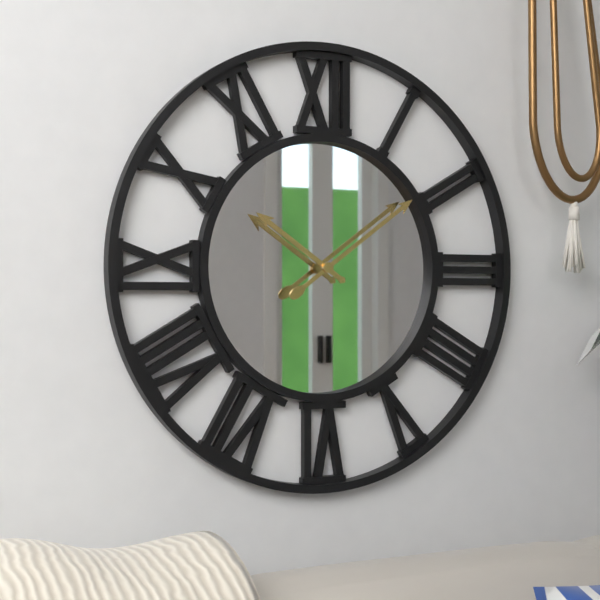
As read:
10,09
